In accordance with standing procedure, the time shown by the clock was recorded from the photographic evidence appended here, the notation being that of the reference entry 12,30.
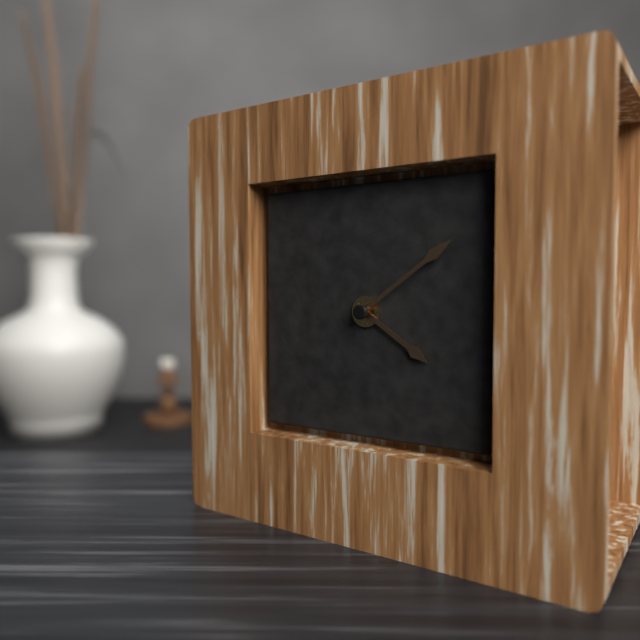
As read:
4,09
